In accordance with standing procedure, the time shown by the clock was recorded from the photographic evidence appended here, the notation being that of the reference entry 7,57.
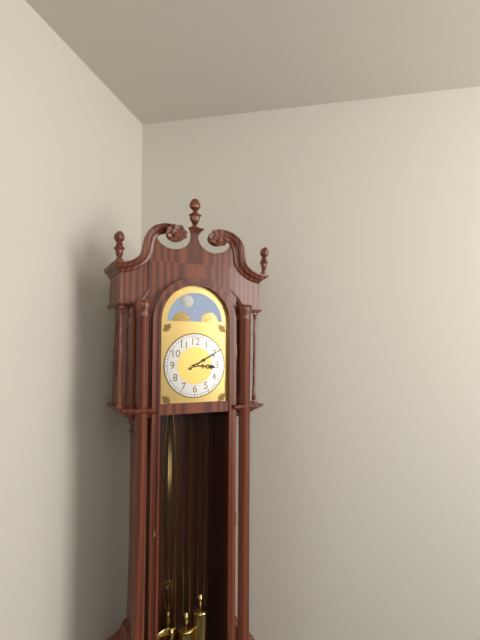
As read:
3,10
